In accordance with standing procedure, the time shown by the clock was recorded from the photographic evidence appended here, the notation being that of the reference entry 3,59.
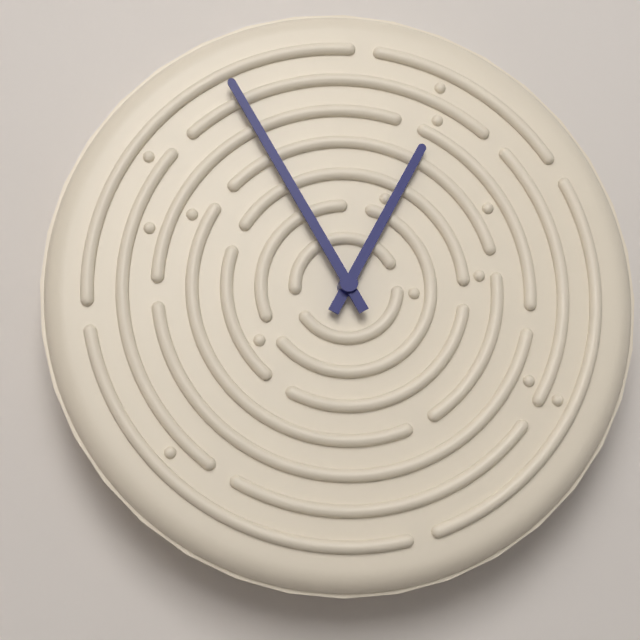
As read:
12,55
